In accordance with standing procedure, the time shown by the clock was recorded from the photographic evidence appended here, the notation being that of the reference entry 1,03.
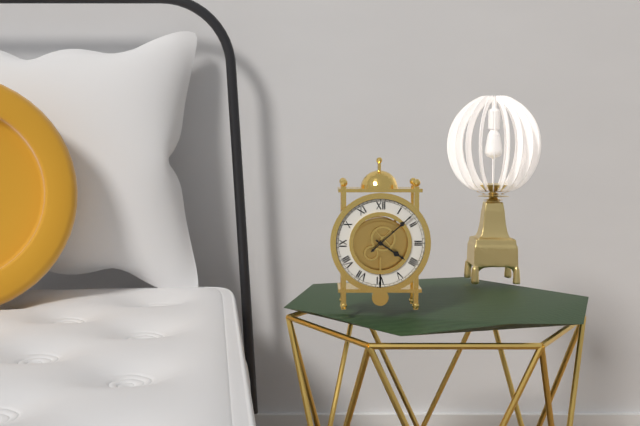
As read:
4,08
